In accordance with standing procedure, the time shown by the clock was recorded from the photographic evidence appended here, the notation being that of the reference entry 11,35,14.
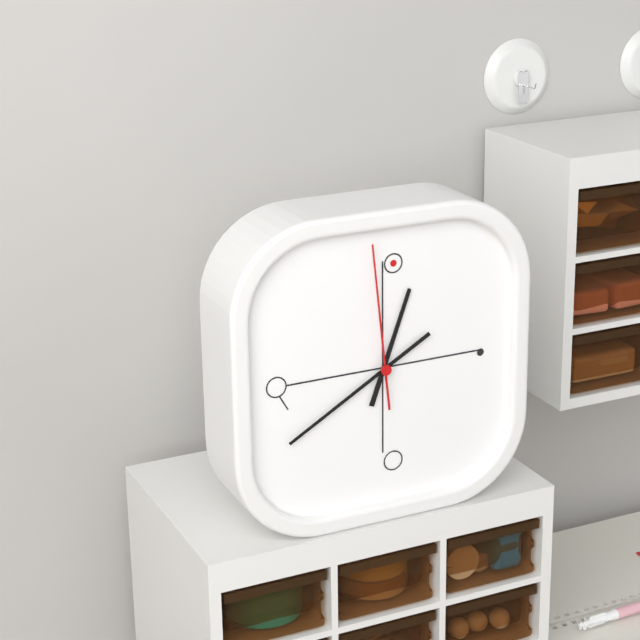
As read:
12,40,59
